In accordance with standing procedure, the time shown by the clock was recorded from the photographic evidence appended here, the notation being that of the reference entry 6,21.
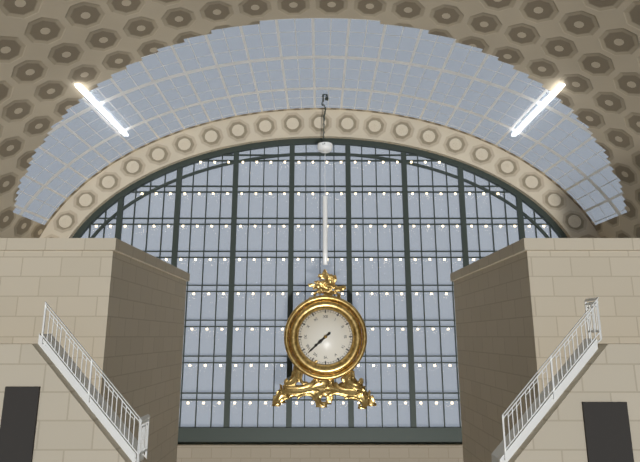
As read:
7,38
